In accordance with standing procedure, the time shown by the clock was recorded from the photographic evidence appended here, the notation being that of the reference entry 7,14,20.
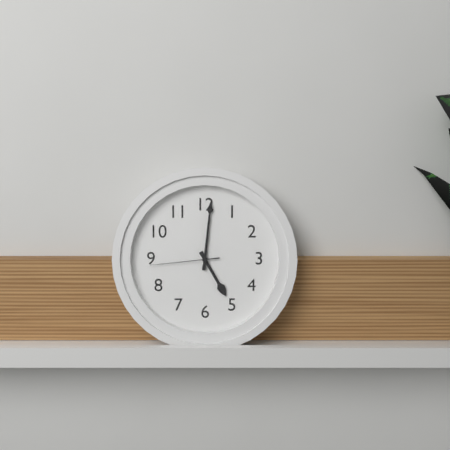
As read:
5,01,44
